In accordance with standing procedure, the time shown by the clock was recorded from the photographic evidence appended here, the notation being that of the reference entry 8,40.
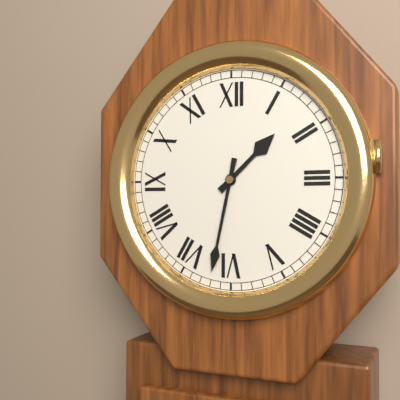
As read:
1,32
